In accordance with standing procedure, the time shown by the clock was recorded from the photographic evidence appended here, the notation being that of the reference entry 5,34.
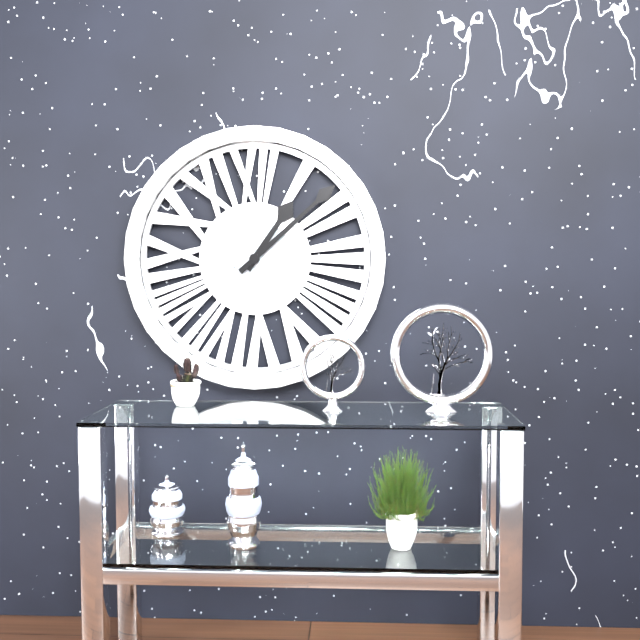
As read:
1,08
